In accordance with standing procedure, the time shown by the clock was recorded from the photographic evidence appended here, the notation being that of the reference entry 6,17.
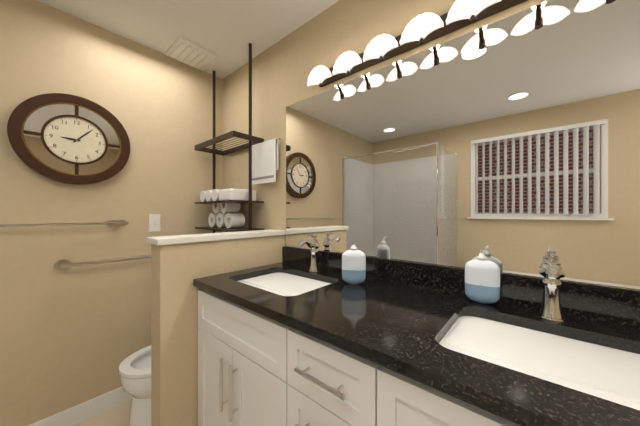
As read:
9,07
